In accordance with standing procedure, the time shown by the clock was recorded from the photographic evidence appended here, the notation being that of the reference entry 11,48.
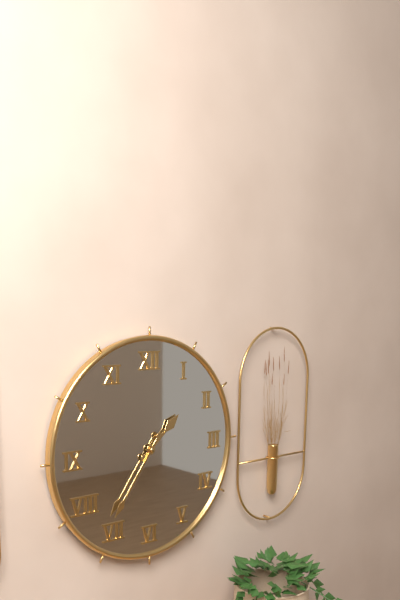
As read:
1,36
